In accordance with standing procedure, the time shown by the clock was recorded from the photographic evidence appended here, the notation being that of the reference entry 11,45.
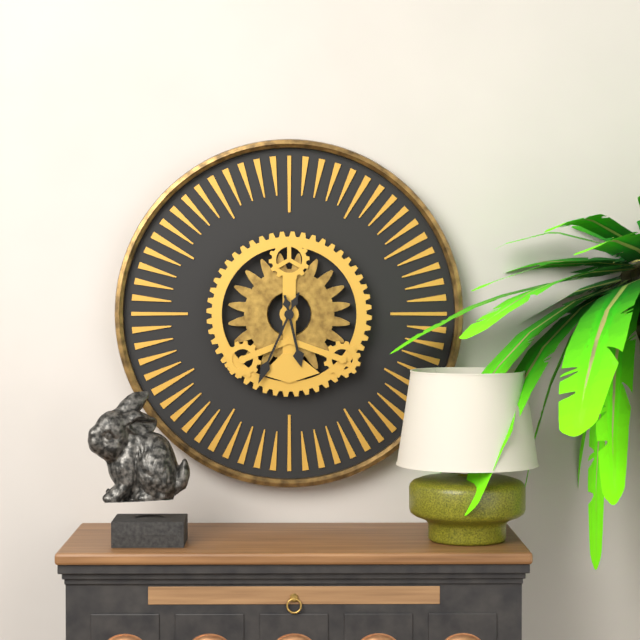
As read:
5,34
